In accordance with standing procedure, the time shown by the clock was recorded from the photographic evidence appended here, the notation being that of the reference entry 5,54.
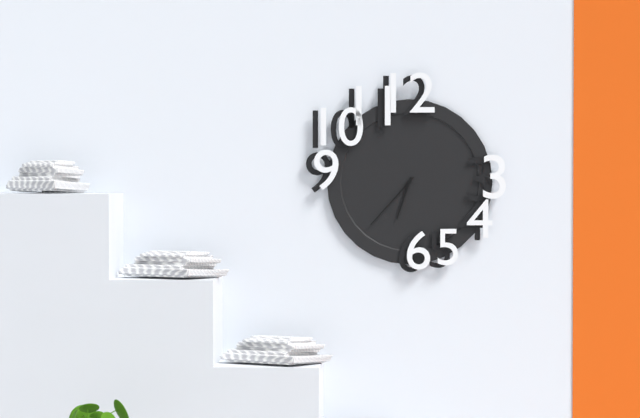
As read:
6,37
